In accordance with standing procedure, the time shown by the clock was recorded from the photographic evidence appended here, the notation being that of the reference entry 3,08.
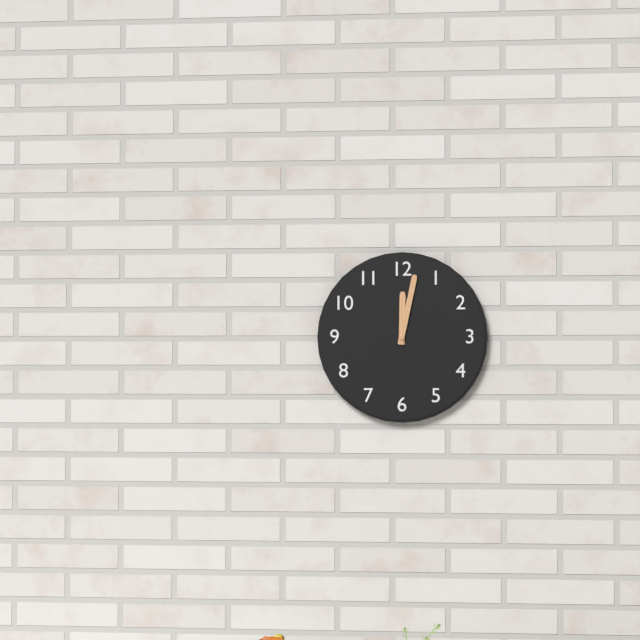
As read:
12,02
